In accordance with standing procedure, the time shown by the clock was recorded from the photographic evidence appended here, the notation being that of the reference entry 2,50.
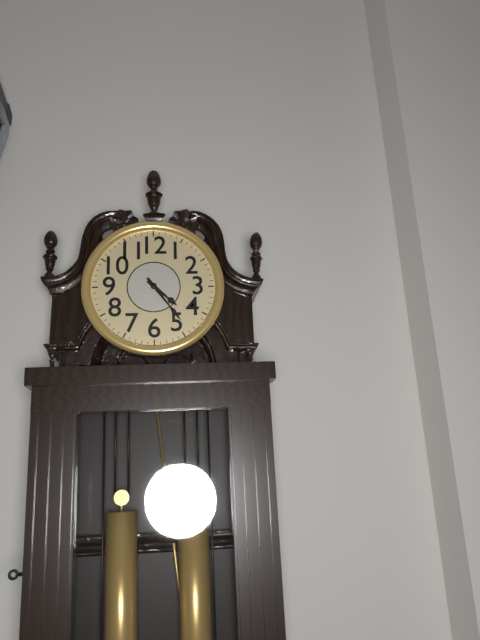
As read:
4,24
